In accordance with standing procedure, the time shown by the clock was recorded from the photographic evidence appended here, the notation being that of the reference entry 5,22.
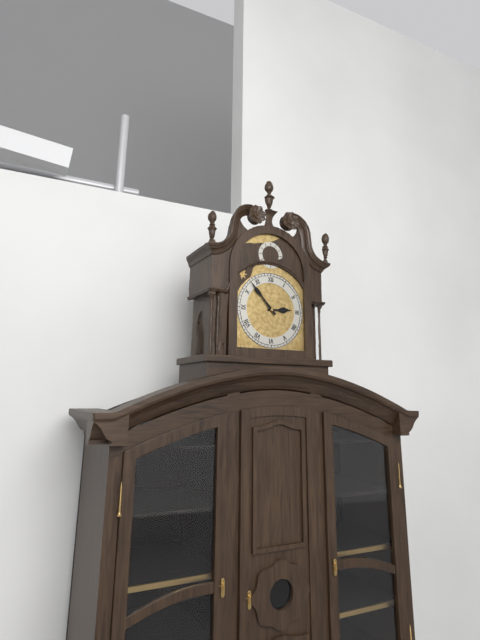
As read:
2,53
